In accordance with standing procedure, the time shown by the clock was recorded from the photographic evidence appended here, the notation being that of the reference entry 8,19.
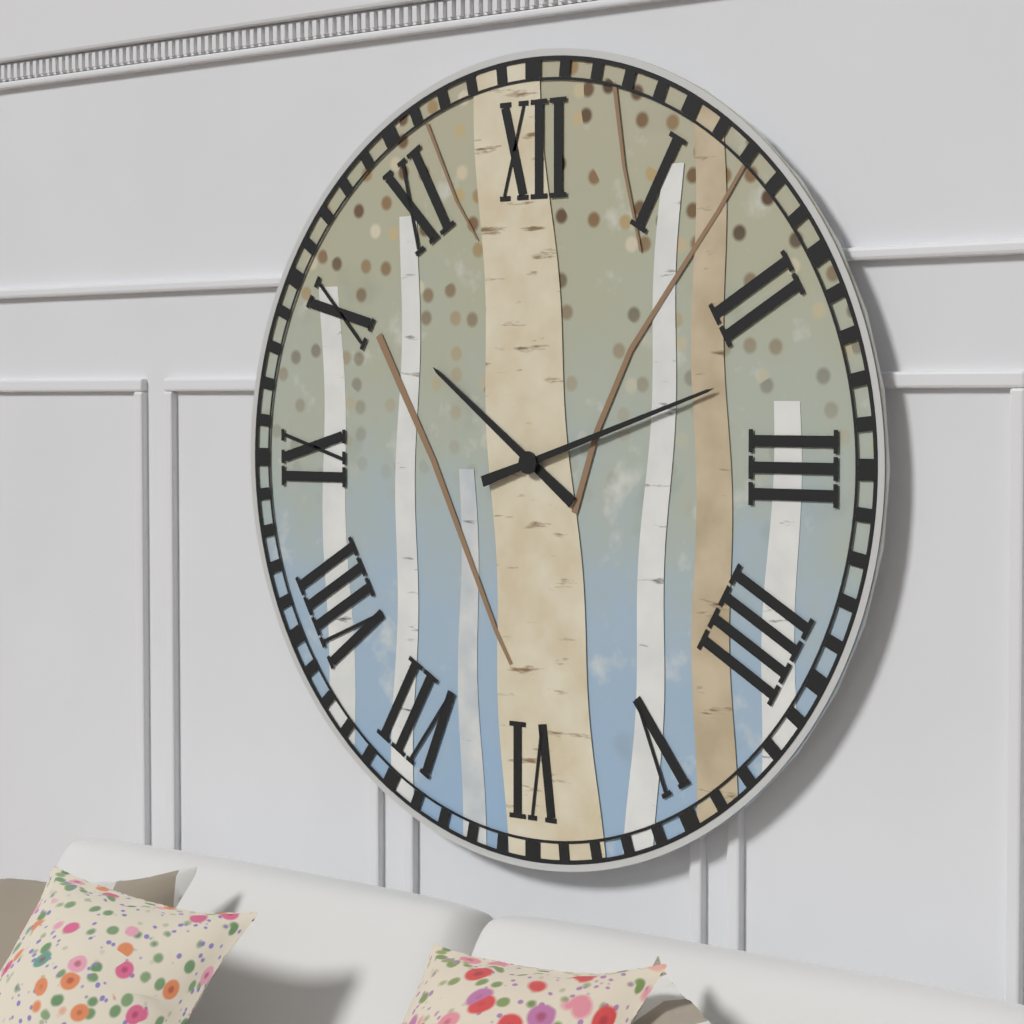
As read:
10,12
